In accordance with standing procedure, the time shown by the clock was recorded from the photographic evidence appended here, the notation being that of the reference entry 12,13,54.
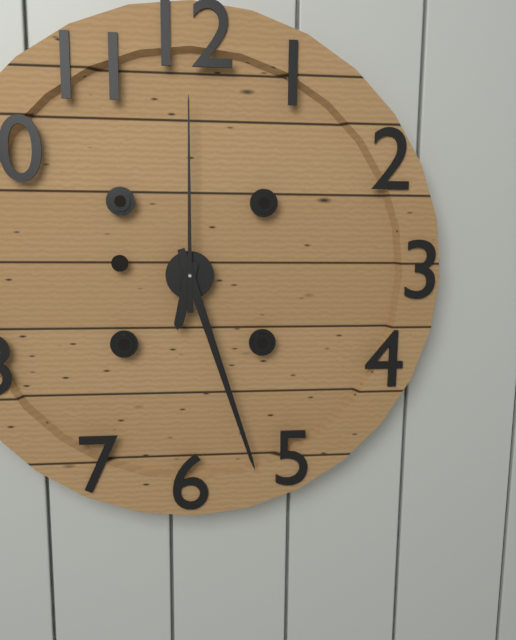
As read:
6,27,00
